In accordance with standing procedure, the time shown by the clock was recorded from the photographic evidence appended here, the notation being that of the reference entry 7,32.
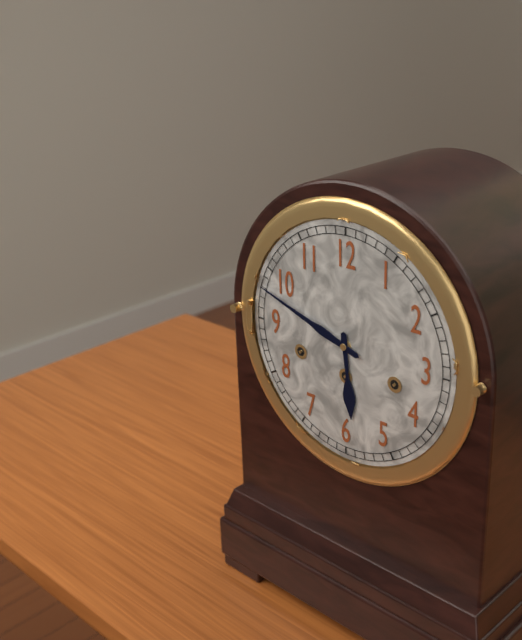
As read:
5,48
